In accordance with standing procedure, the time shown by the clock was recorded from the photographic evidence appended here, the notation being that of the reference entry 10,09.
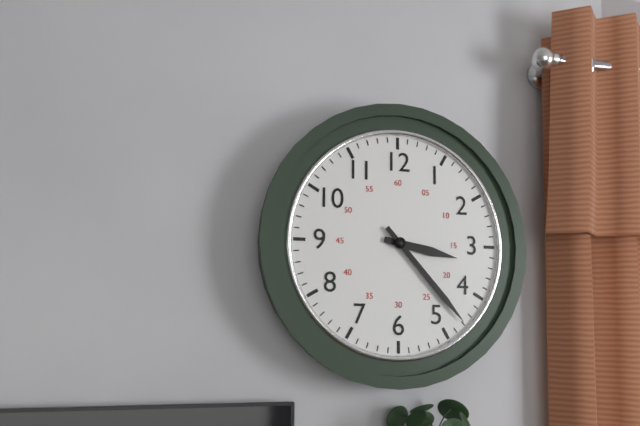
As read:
3,23
